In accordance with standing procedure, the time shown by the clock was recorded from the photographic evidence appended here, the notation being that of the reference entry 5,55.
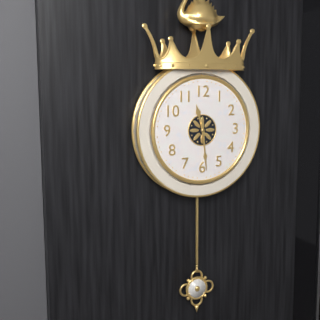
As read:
11,29
